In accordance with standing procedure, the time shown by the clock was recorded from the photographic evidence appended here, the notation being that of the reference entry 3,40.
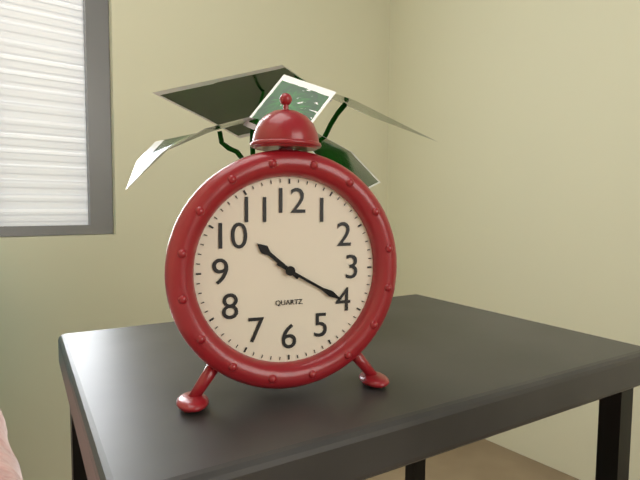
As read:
10,20
